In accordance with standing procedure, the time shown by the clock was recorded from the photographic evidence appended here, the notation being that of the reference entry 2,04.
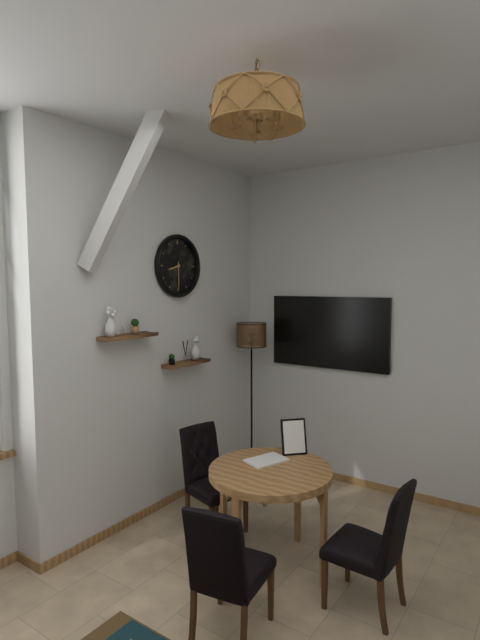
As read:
8,30
